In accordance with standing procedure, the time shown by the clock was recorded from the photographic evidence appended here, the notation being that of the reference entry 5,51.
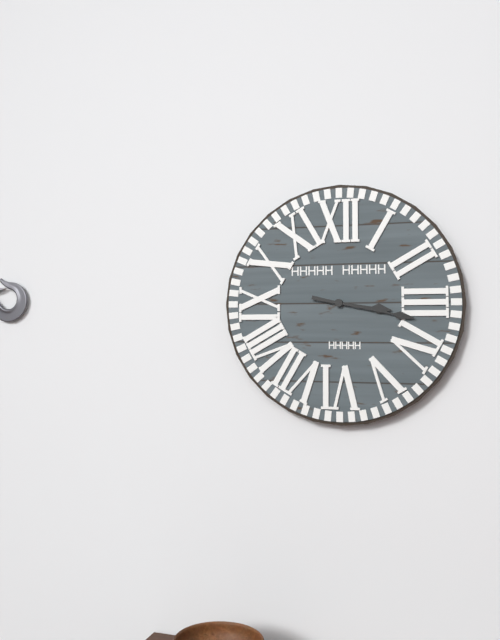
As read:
3,17
